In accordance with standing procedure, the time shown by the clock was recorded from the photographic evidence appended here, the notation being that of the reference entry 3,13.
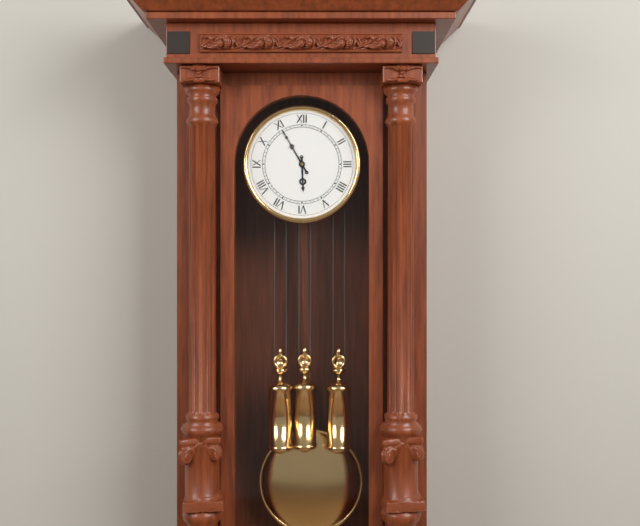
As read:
5,55
